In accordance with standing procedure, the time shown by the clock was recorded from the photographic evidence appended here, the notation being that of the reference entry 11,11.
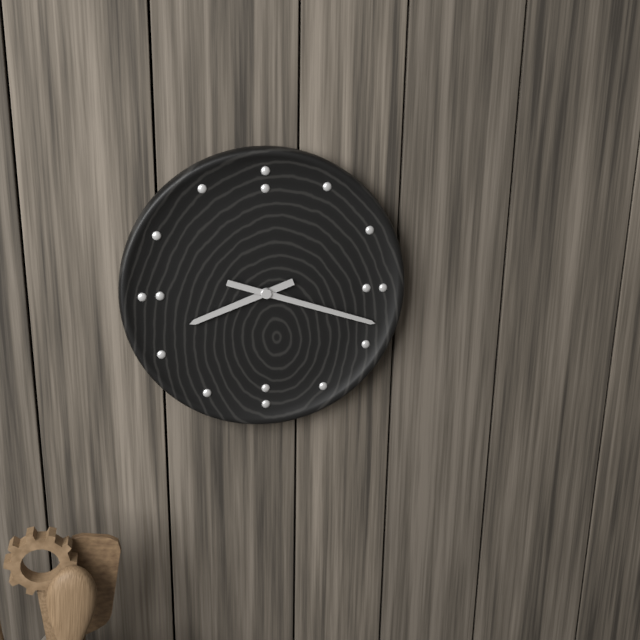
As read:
8,18
